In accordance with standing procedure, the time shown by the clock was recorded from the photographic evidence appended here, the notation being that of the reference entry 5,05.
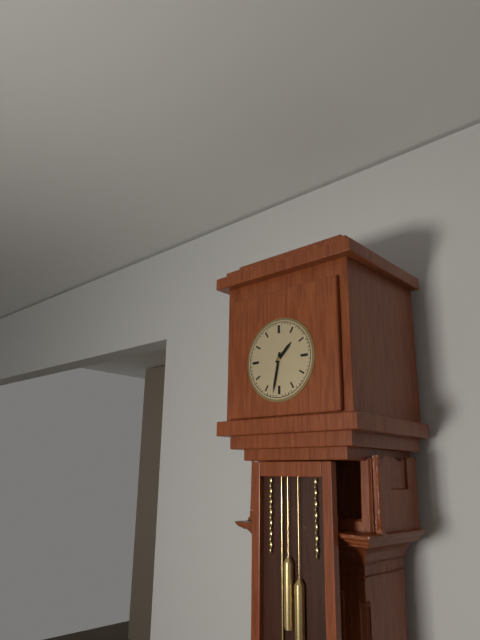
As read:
1,32
